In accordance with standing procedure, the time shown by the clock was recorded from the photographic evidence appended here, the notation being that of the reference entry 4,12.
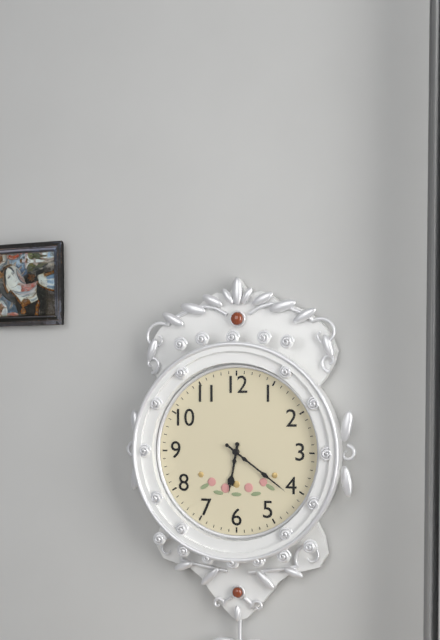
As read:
6,21
